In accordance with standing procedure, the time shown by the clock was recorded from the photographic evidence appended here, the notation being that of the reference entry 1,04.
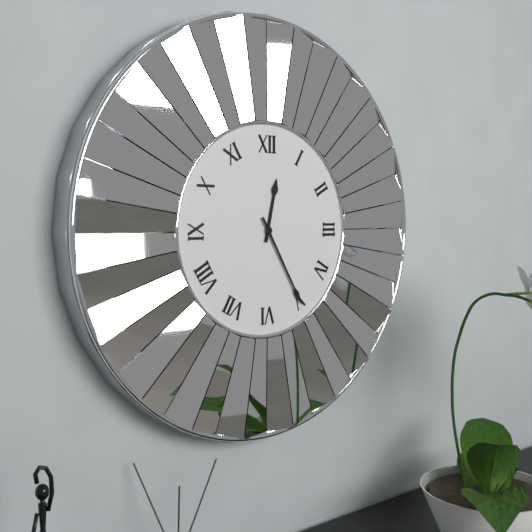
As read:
12,25
